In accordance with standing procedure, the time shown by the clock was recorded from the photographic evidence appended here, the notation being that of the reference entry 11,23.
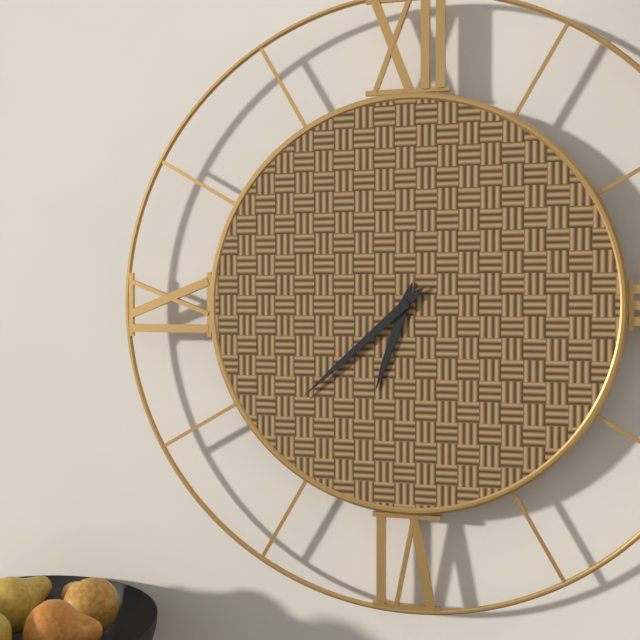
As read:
6,38
